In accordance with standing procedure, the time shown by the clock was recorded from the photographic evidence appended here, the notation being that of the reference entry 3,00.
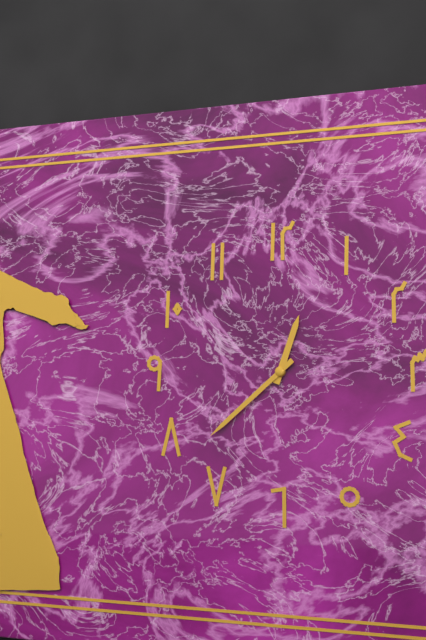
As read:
12,38
